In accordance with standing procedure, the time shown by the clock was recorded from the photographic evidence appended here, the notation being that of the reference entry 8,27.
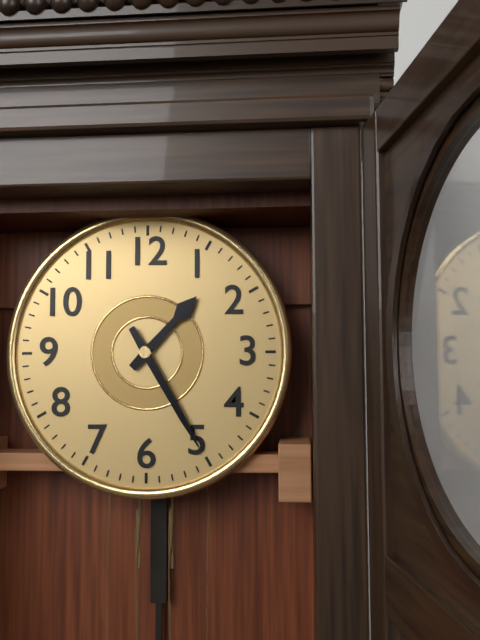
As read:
1,25
